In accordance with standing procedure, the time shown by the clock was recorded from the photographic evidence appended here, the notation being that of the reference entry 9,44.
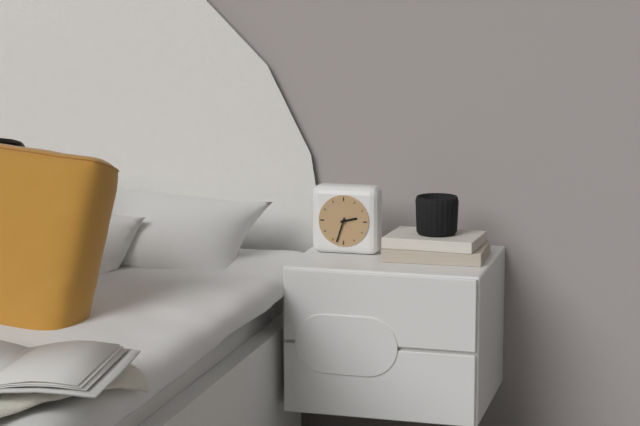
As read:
2,33
